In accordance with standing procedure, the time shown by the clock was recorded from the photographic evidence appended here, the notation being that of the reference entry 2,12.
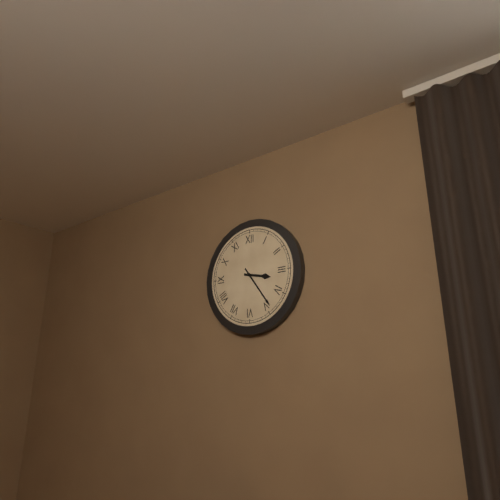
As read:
3,24
